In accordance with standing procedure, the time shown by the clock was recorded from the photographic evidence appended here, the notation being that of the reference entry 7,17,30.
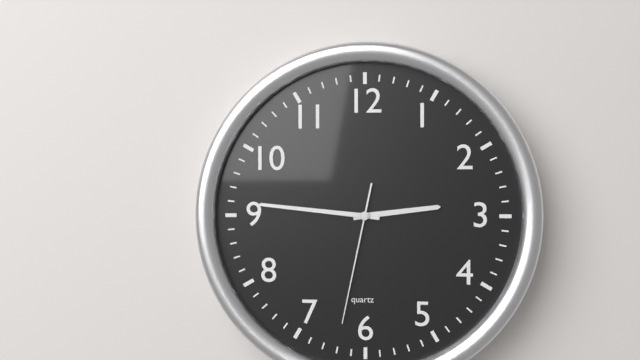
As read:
2,46,32
